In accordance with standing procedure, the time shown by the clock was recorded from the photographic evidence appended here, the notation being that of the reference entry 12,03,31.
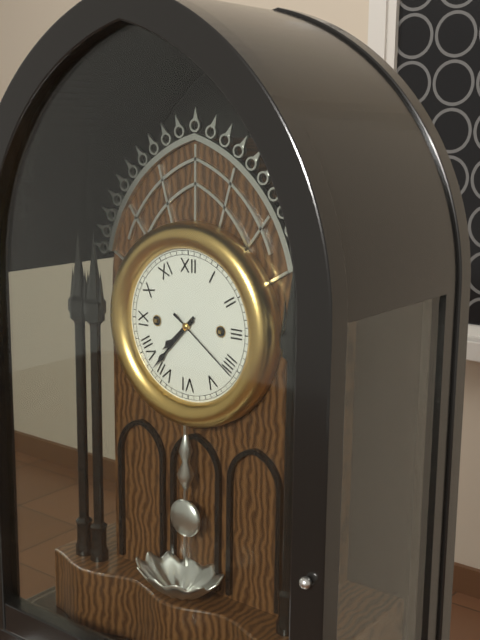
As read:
7,37,21
